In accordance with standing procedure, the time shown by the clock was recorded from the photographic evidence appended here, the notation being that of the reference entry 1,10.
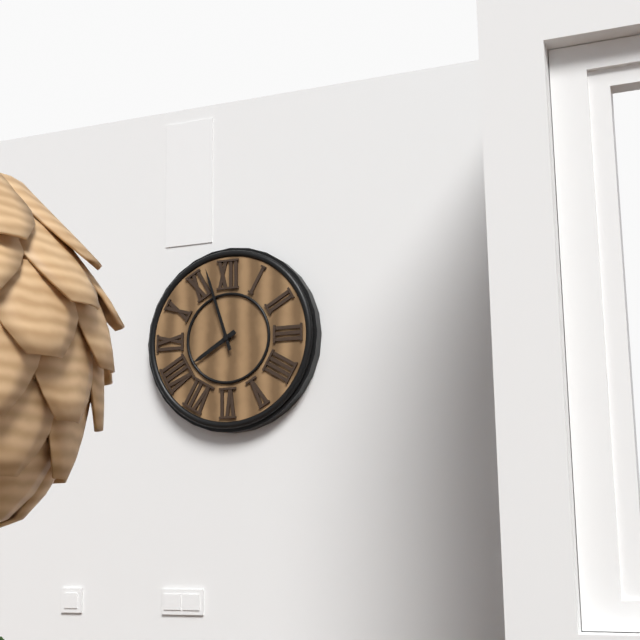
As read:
7,57
